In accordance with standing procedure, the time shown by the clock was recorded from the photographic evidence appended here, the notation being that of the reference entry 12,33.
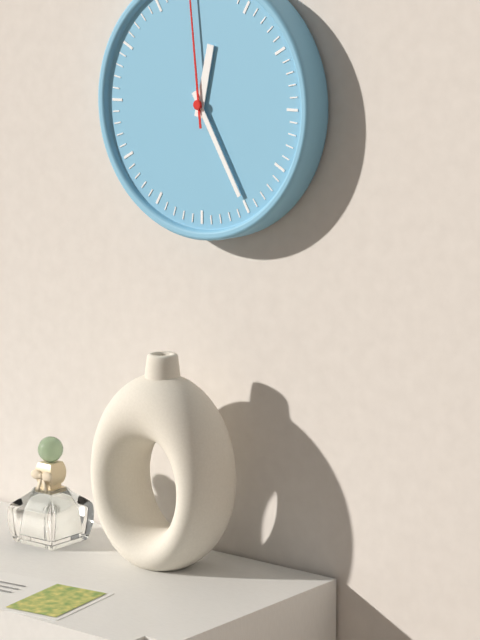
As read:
12,25
